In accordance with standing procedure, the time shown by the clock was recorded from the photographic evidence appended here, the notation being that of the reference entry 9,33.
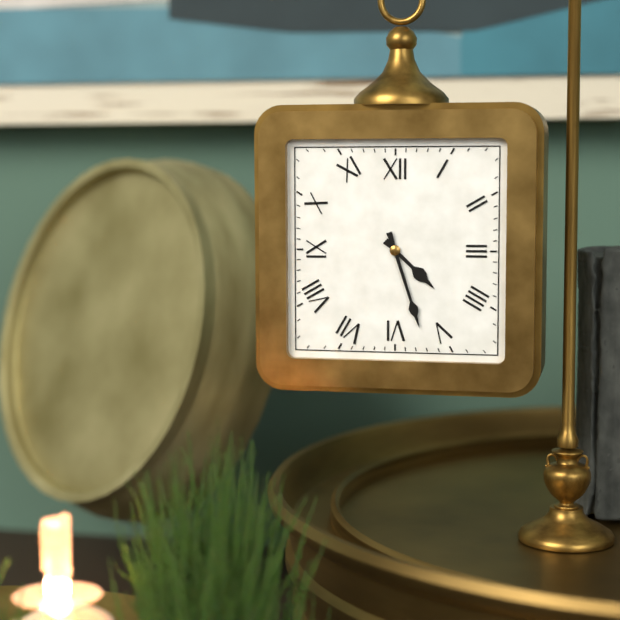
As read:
4,27
